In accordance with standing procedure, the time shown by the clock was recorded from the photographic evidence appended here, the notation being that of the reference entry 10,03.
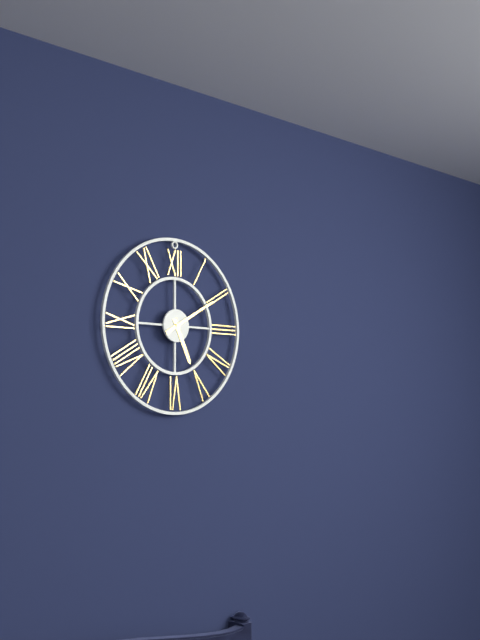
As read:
5,10
